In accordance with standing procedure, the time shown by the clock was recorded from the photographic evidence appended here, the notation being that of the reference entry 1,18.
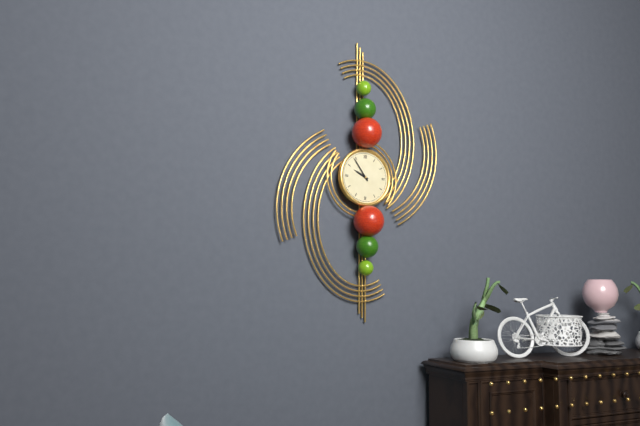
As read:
9,54
